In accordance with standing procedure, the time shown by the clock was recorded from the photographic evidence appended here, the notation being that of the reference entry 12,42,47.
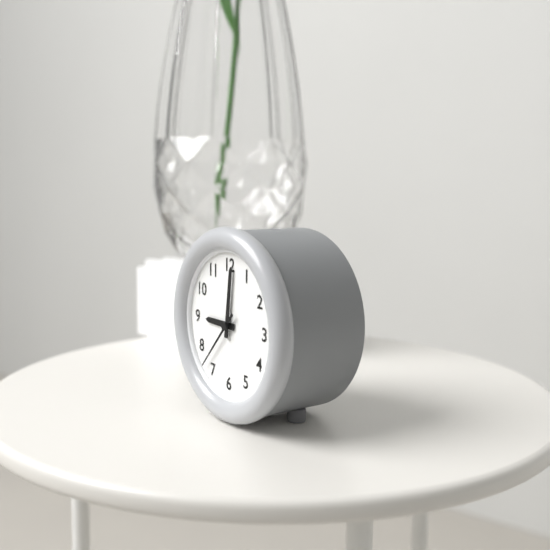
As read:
9,01,37
